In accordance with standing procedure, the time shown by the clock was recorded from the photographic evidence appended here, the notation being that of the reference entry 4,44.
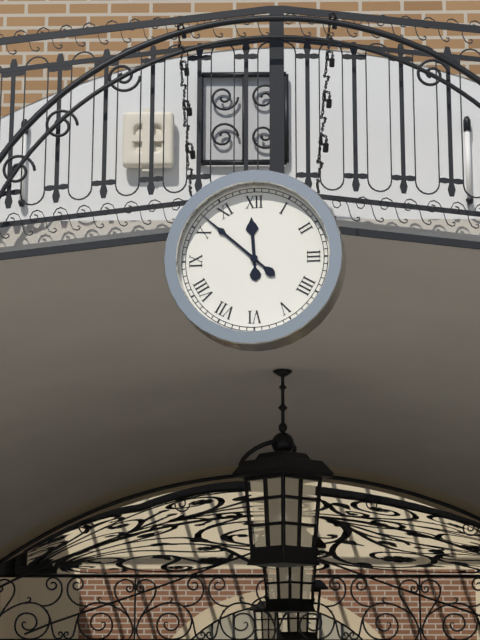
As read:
11,52
